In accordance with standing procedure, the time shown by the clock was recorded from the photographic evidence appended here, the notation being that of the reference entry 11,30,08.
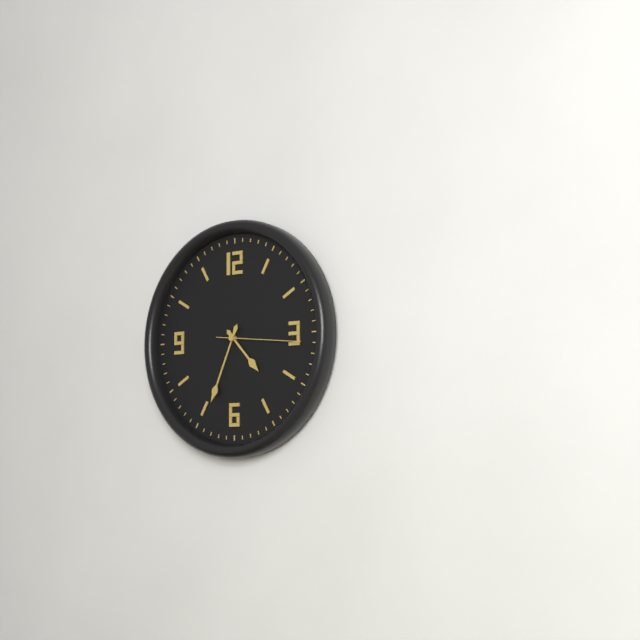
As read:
4,34,16
